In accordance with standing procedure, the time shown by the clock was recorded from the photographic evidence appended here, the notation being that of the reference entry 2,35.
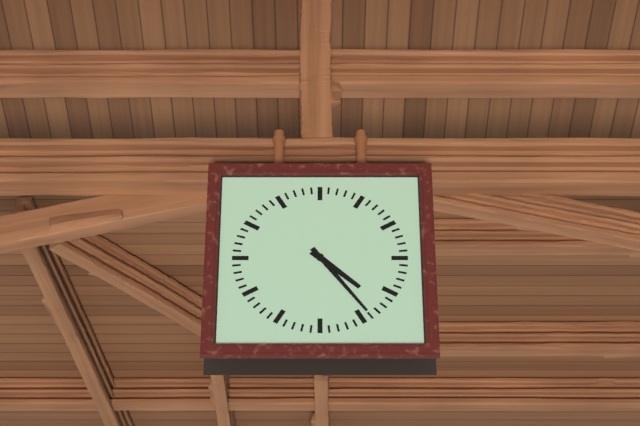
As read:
4,24
